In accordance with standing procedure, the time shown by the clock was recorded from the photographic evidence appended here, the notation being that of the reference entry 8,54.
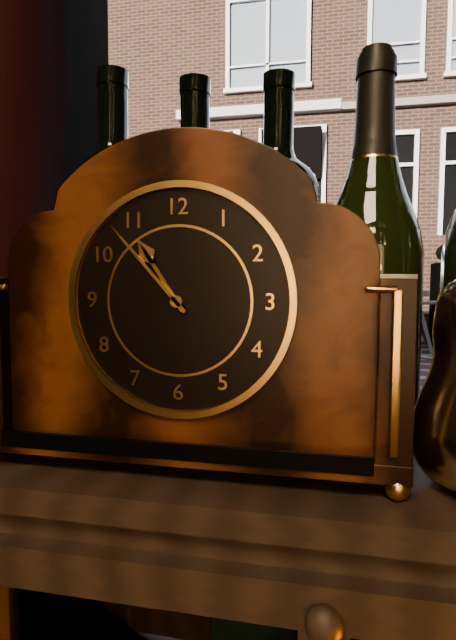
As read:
10,53
